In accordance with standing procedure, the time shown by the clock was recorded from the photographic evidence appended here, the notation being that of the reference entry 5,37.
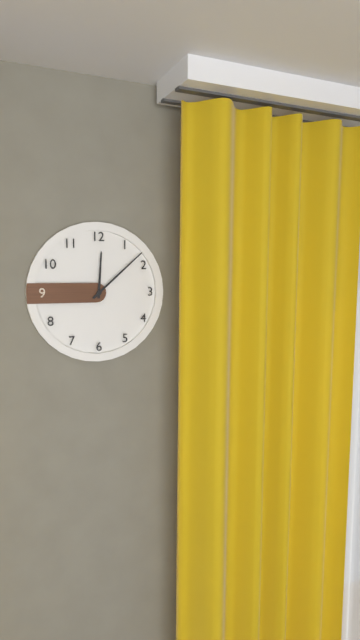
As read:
12,08
